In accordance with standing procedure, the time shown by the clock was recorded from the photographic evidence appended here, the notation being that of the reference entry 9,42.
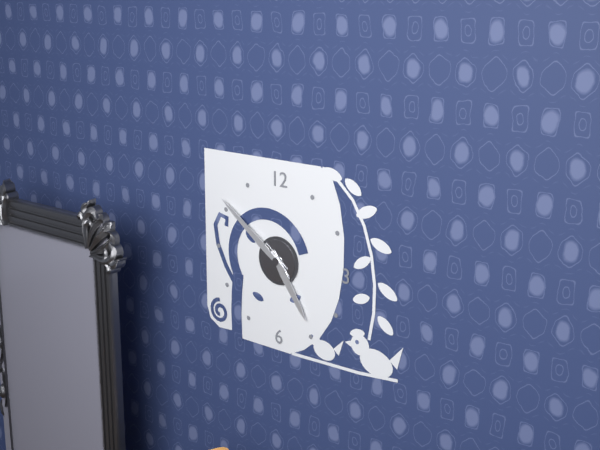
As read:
4,51
